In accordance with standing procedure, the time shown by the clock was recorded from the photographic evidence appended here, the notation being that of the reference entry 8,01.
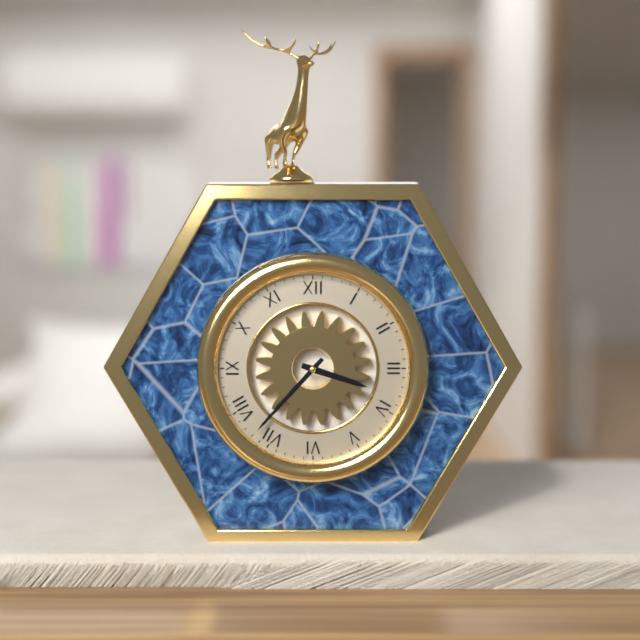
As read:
3,37
